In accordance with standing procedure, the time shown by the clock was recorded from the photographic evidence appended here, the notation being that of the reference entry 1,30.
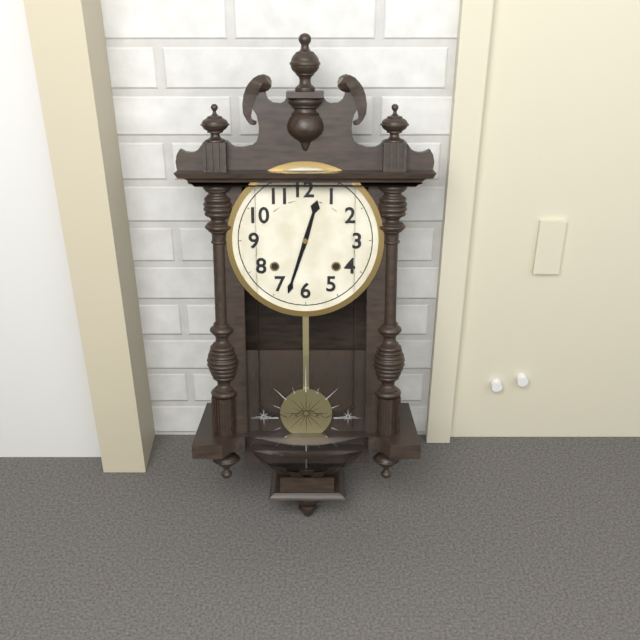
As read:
12,33
